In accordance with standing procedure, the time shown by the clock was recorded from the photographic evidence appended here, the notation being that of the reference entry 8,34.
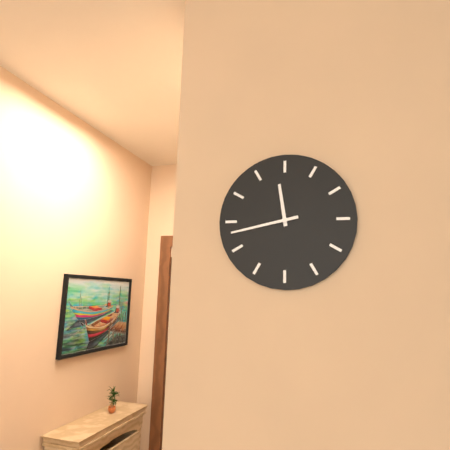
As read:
11,43
